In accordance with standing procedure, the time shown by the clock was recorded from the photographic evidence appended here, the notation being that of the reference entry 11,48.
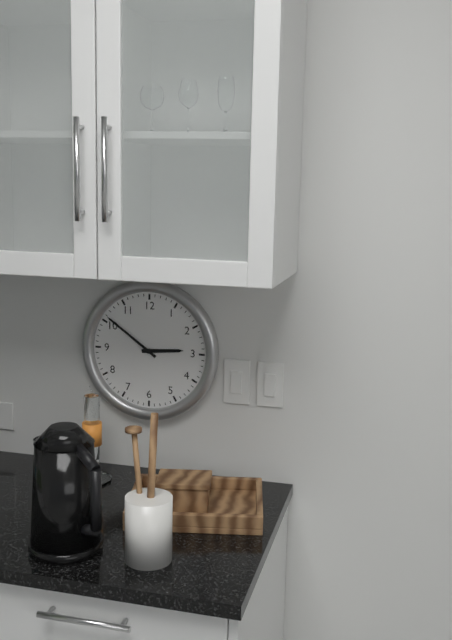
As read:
2,51
